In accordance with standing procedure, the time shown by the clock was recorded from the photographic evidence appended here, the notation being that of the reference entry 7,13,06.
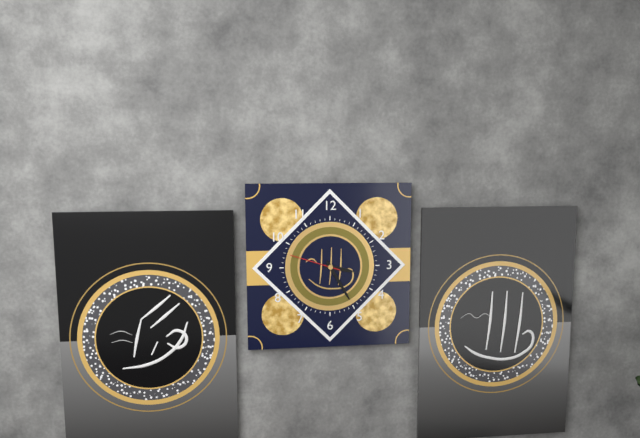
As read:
3,25,48
